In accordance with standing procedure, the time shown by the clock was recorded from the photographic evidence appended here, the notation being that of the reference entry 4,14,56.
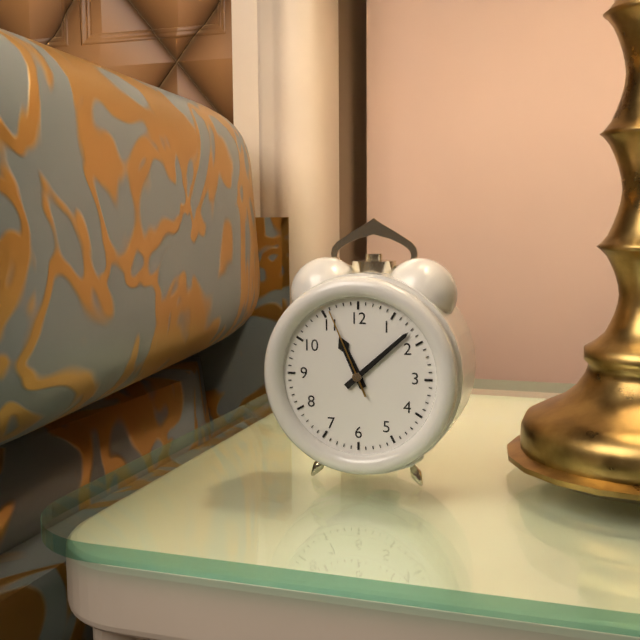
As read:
11,08,56
